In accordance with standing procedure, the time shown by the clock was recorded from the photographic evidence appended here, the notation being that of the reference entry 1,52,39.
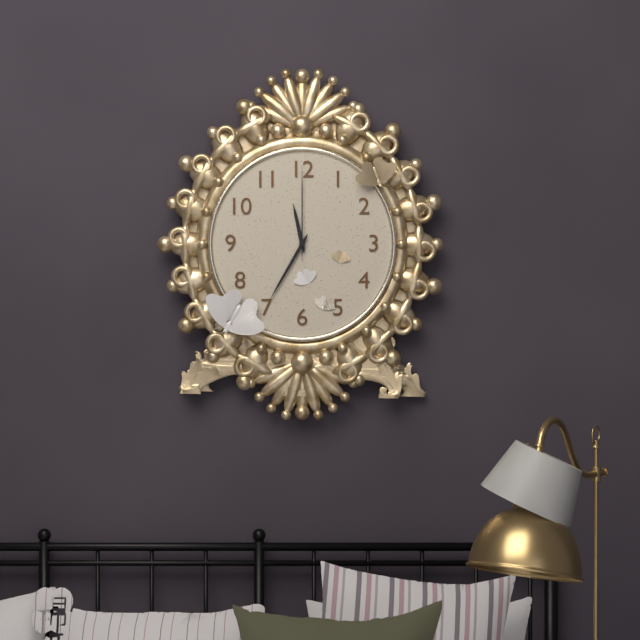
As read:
11,35,00
